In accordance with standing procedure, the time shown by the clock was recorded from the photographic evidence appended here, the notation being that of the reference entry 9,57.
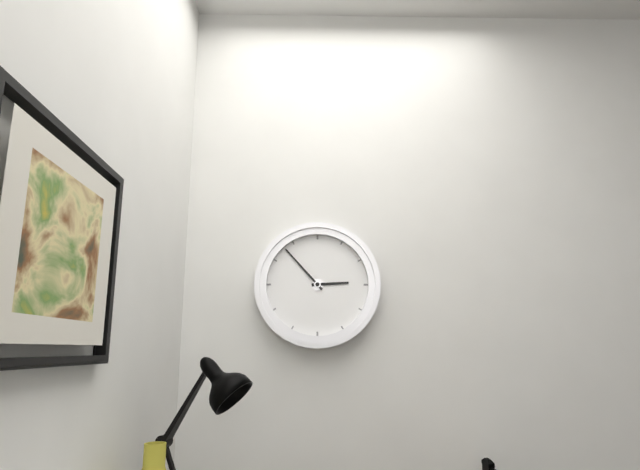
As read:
2,53
